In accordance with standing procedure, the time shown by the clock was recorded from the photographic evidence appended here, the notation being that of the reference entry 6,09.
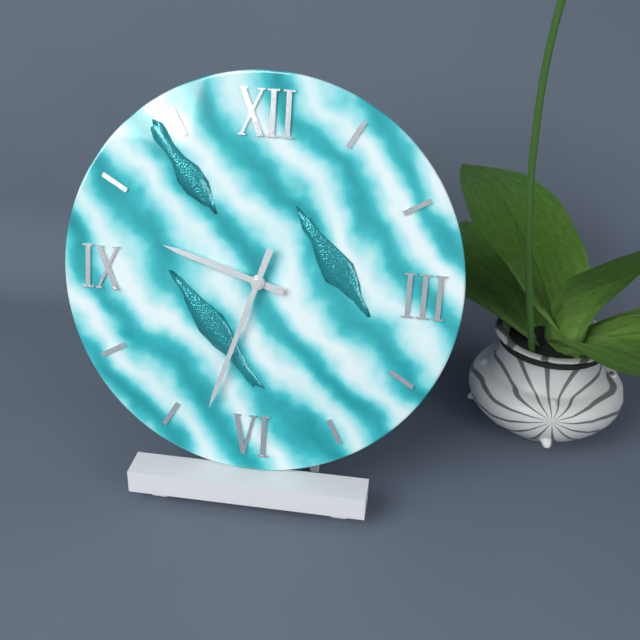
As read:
9,33
